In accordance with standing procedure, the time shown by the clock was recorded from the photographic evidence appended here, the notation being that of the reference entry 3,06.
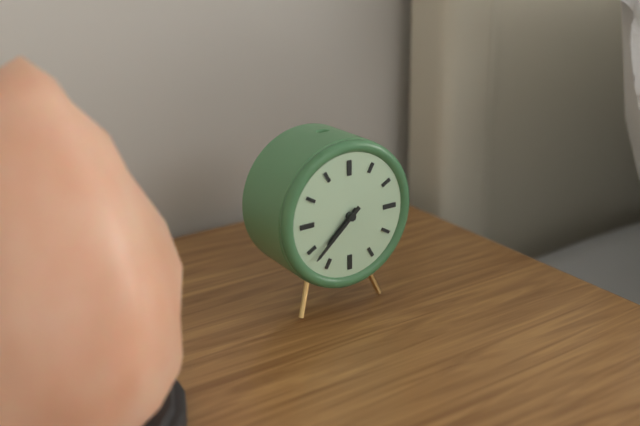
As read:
7,38
